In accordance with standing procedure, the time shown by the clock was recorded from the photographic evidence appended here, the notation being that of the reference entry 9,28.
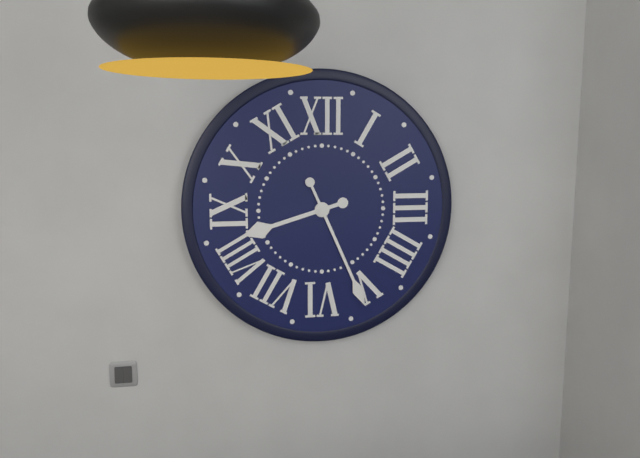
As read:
8,26
